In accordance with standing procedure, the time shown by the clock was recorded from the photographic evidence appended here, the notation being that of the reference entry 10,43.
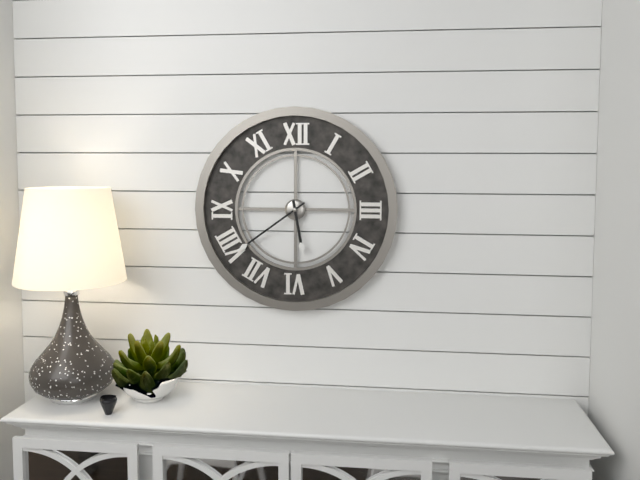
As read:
5,39
